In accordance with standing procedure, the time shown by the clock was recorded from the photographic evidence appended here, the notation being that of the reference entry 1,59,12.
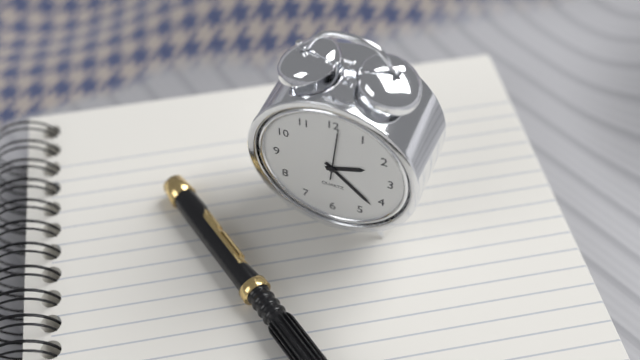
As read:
2,22,01
